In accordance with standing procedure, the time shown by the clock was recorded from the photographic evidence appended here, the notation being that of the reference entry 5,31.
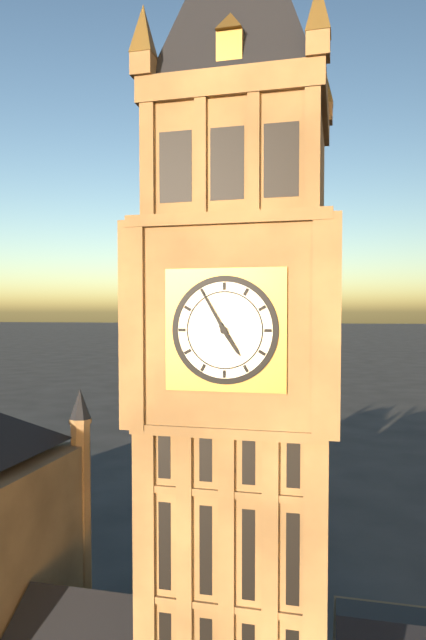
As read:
4,55
